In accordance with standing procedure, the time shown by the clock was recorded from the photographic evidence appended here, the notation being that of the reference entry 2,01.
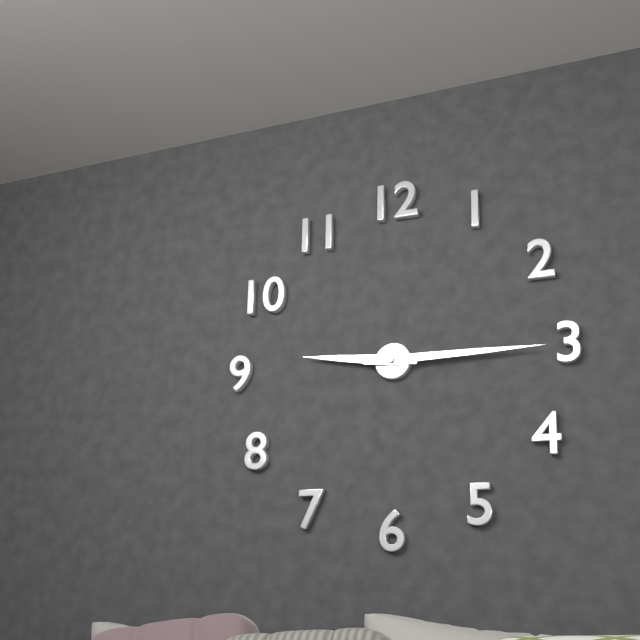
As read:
9,15
